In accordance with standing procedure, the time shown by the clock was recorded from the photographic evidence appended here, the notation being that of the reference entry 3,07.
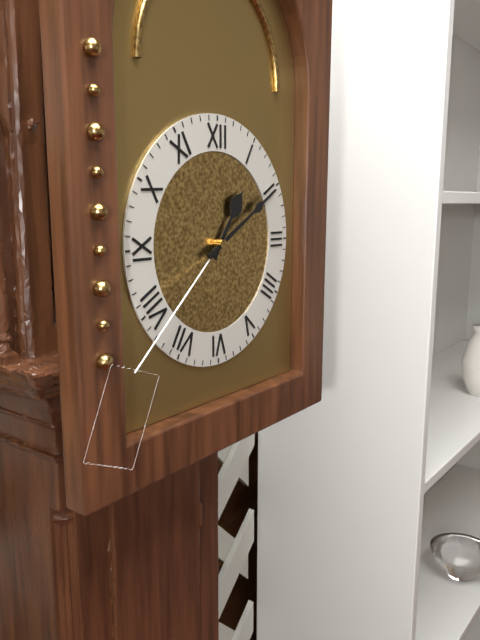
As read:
1,10
